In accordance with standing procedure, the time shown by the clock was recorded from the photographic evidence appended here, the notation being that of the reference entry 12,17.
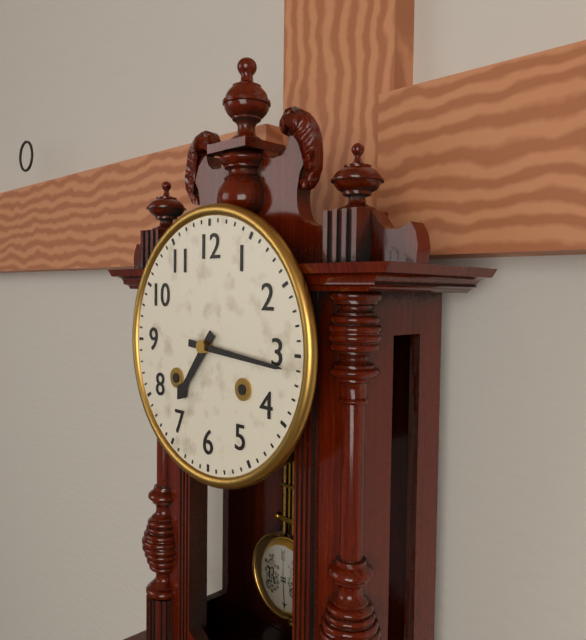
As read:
7,16
